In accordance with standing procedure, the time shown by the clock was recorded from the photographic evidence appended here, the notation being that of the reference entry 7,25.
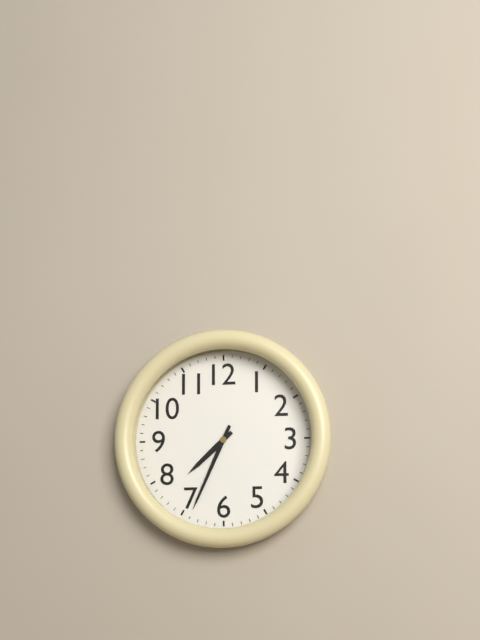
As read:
7,34
